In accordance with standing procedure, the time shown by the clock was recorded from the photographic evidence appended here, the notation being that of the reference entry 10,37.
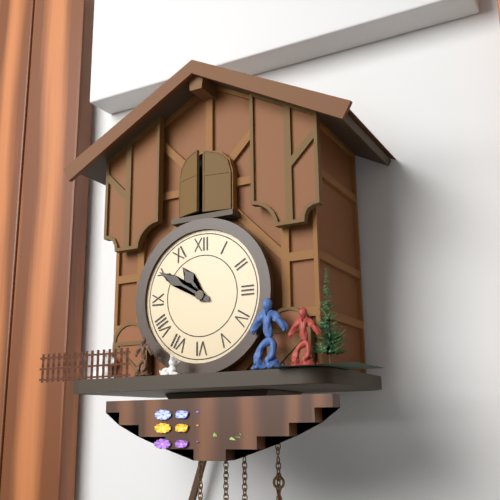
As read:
10,50
